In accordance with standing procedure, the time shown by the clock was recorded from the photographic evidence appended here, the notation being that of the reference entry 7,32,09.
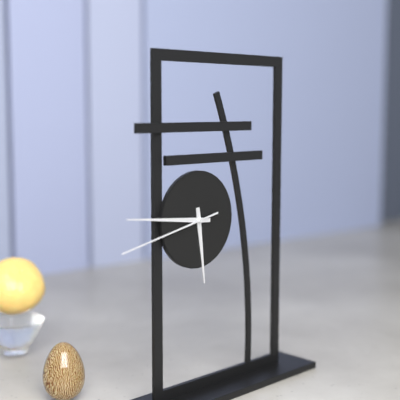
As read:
5,46,43
